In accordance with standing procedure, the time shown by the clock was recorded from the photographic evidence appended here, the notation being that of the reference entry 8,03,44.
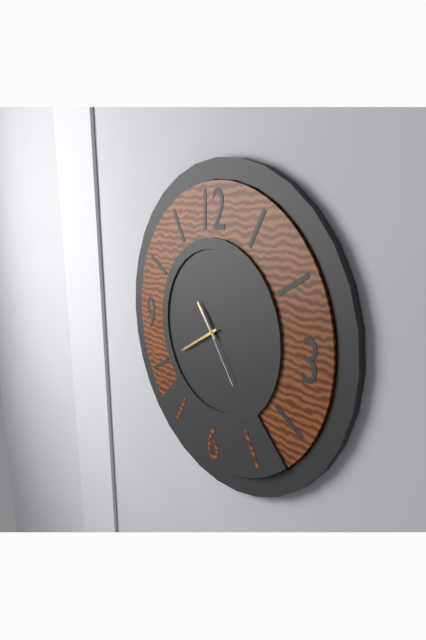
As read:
10,40,24
